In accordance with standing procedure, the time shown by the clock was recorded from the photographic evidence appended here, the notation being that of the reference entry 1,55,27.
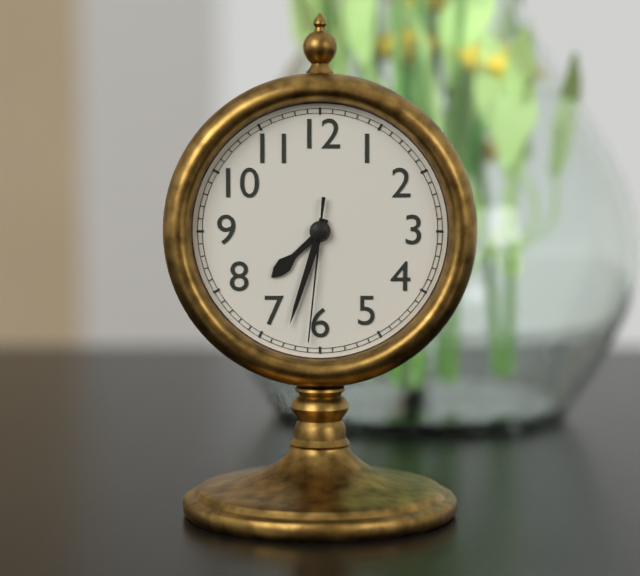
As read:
7,33,31
